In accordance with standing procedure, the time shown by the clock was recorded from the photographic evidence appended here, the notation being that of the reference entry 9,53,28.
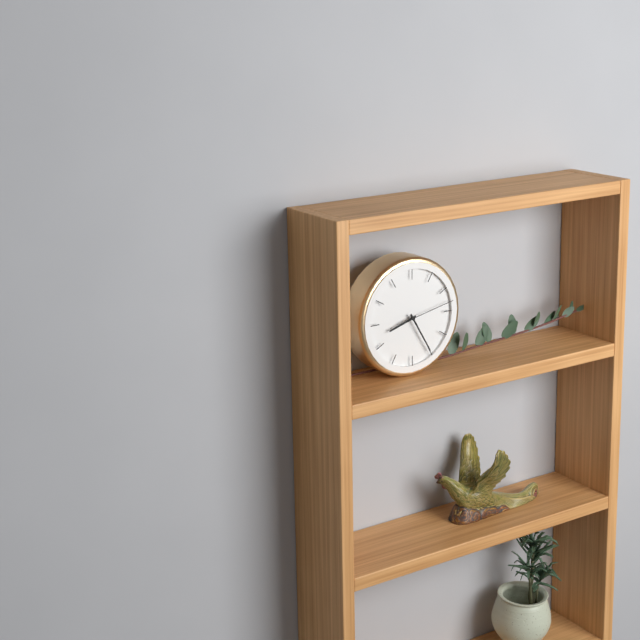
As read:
8,25,13
